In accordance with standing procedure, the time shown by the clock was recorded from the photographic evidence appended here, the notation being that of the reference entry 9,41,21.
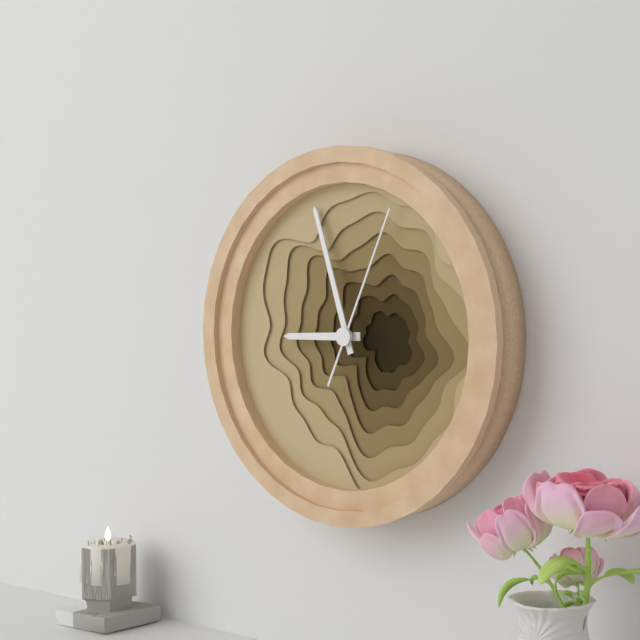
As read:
8,57,04
